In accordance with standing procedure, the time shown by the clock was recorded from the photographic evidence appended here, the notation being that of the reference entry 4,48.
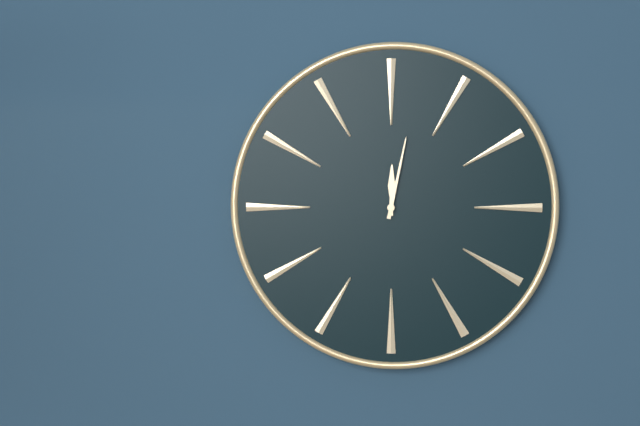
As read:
12,02
